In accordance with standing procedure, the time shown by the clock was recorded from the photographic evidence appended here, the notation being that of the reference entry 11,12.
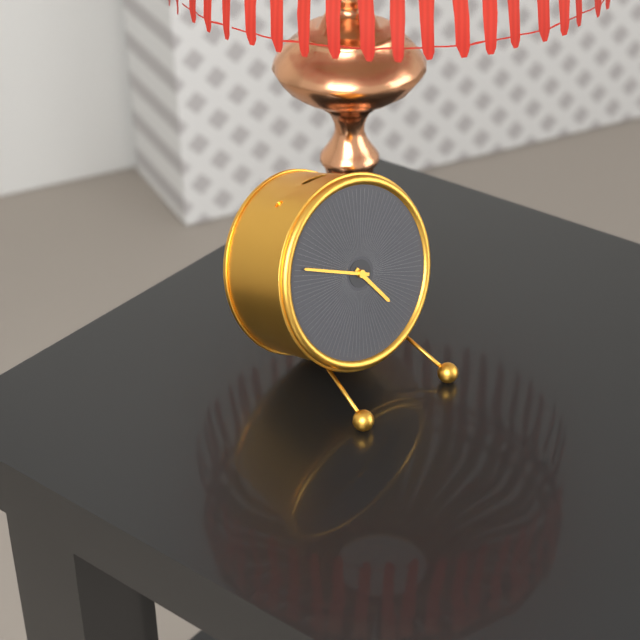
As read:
4,49
